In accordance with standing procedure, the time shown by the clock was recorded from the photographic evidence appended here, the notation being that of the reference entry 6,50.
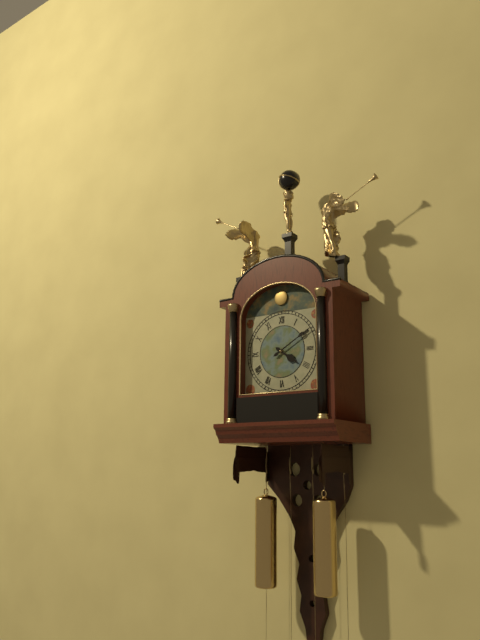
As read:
4,10
